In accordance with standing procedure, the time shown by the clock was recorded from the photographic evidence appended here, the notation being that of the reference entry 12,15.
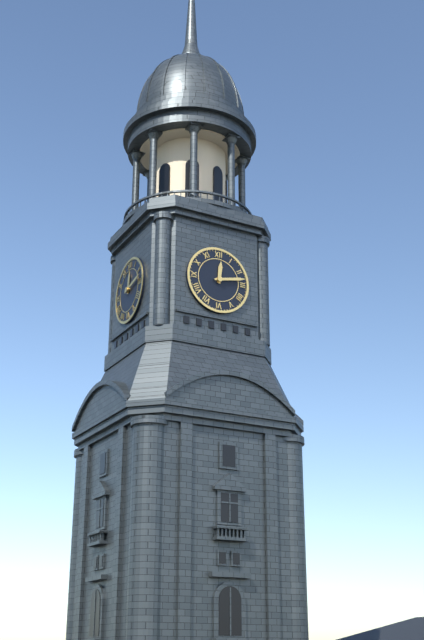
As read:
12,13
